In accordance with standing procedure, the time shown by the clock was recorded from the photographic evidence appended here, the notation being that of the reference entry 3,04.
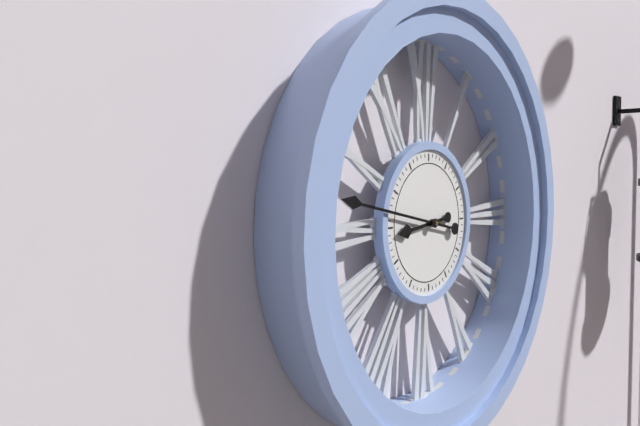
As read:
8,47
